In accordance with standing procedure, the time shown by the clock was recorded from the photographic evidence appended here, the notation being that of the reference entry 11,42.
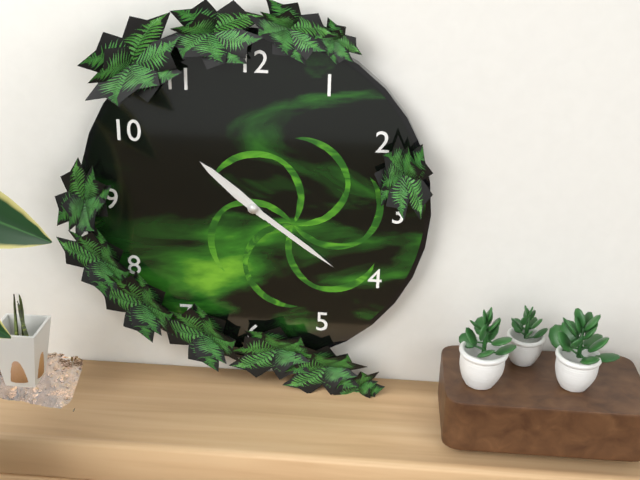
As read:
10,21
